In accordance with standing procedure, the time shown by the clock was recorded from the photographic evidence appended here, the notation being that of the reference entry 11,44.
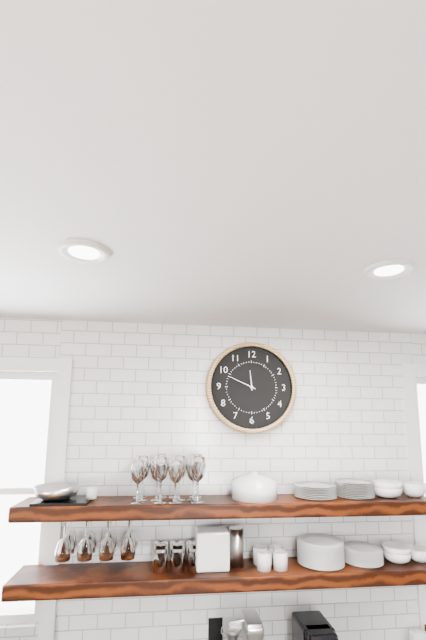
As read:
11,49
